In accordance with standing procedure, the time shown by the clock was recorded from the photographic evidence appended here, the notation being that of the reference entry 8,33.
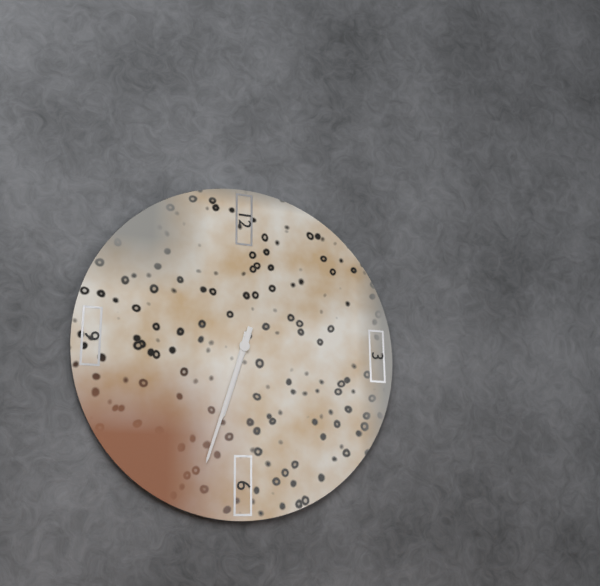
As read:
6,33
